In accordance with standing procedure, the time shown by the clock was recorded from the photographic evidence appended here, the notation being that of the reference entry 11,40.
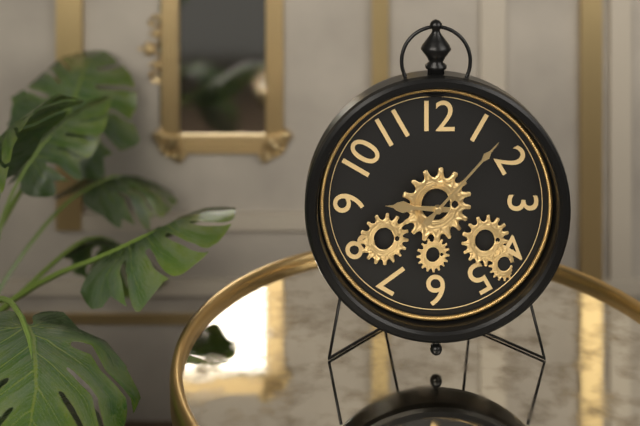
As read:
9,07
